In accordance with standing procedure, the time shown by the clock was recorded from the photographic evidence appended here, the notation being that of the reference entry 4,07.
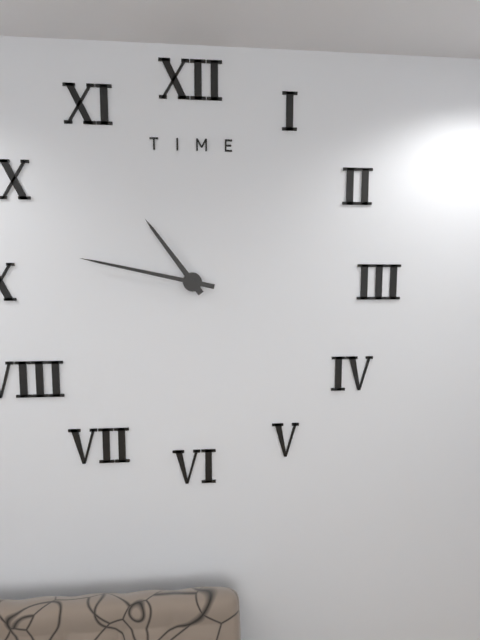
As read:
10,47
